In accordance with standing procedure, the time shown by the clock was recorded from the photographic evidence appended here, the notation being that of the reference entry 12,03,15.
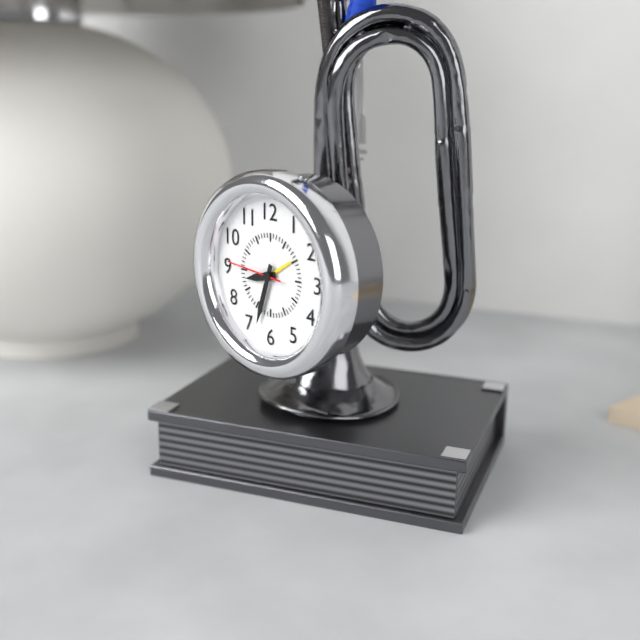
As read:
8,33,46
